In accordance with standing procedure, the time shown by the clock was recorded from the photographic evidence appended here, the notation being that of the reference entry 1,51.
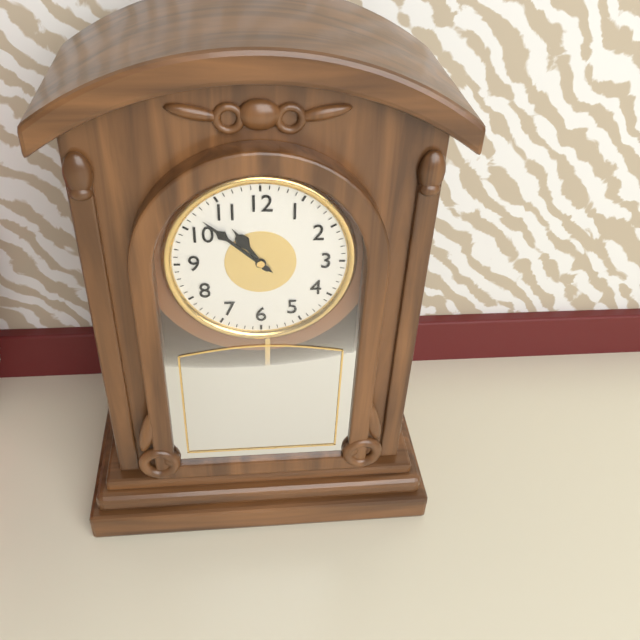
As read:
10,52
